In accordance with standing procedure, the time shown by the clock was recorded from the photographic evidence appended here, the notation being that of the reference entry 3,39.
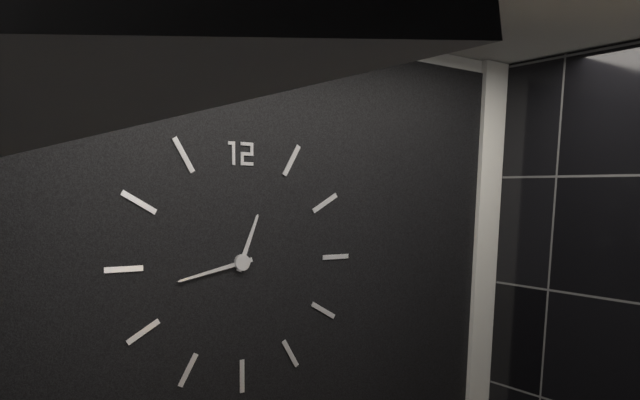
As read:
12,43
